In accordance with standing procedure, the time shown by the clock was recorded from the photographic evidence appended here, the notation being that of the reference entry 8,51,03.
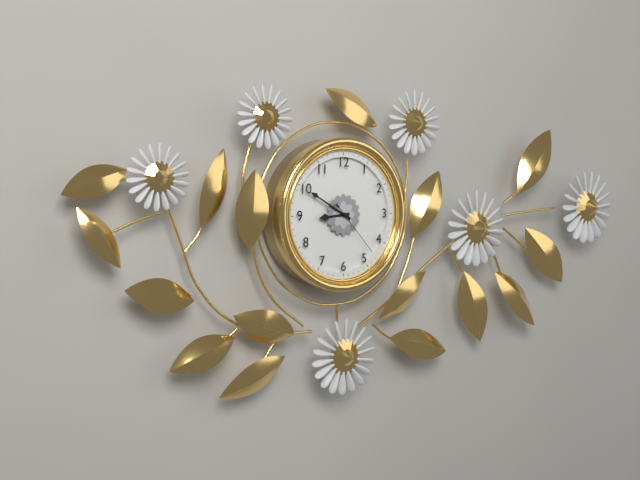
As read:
8,50,23
